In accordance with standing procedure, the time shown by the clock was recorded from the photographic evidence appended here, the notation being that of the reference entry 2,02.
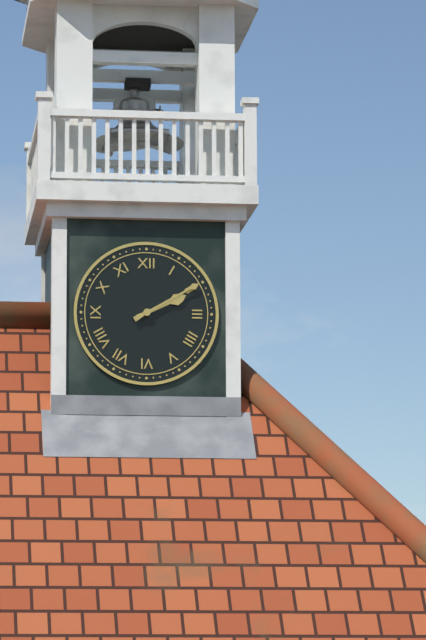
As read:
2,10
